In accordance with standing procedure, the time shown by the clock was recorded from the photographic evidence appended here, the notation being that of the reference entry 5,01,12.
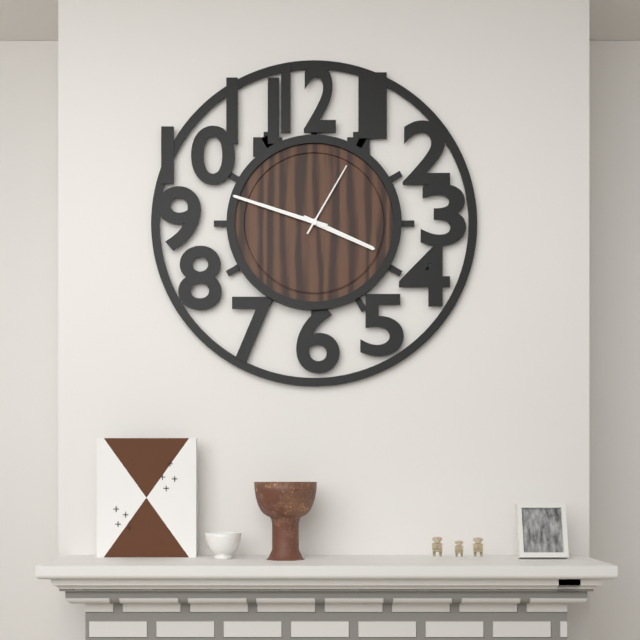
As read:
3,48,05
